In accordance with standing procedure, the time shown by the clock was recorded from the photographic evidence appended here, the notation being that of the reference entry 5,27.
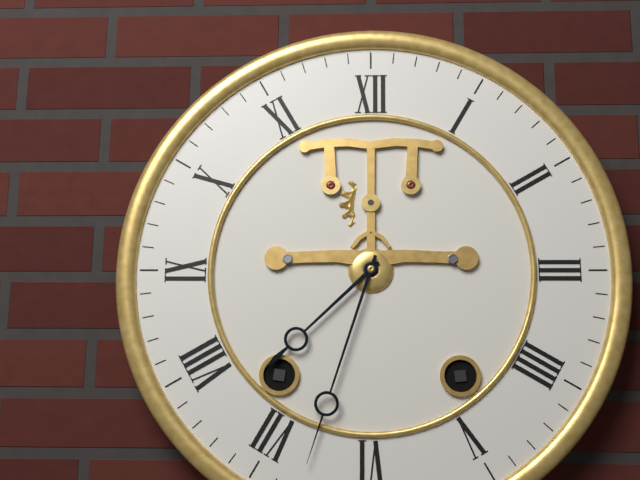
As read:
7,33
